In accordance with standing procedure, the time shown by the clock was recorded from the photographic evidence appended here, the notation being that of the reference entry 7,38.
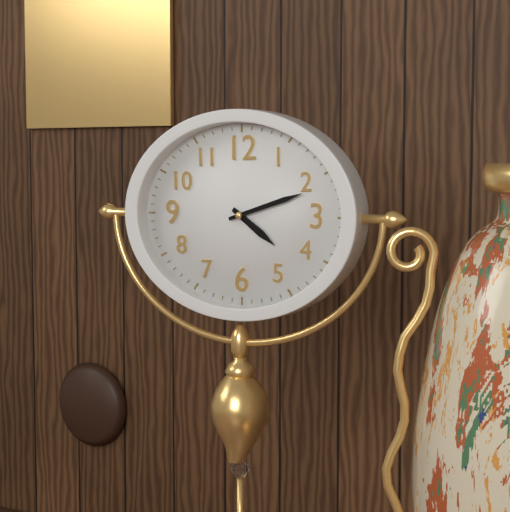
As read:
4,12
